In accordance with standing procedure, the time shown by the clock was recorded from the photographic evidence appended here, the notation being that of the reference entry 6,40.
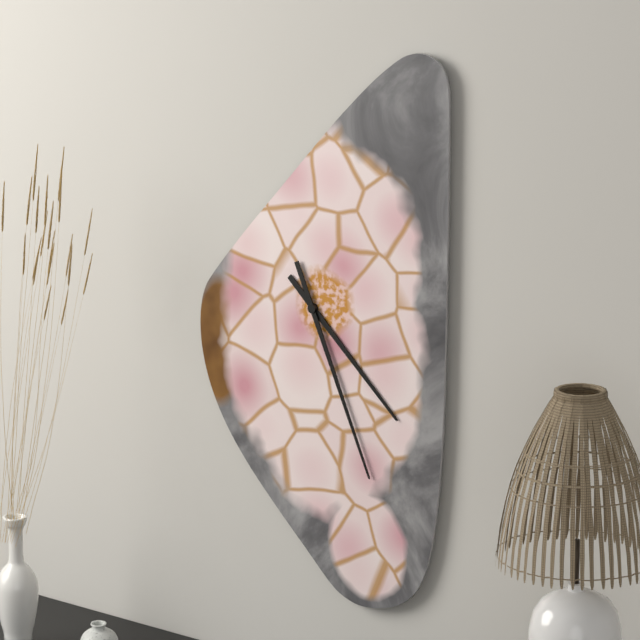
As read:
4,26
